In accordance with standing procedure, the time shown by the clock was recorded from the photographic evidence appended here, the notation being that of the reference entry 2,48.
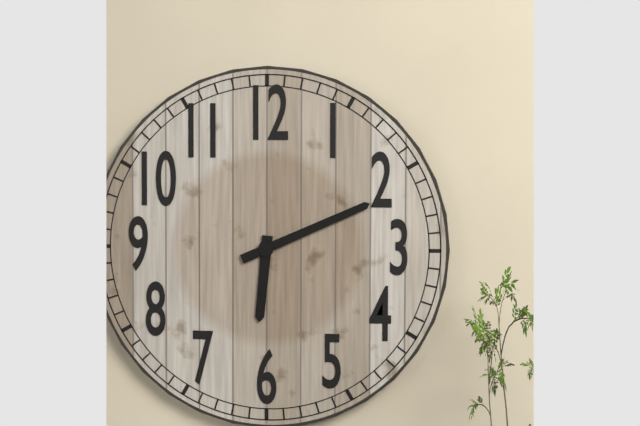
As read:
6,11
